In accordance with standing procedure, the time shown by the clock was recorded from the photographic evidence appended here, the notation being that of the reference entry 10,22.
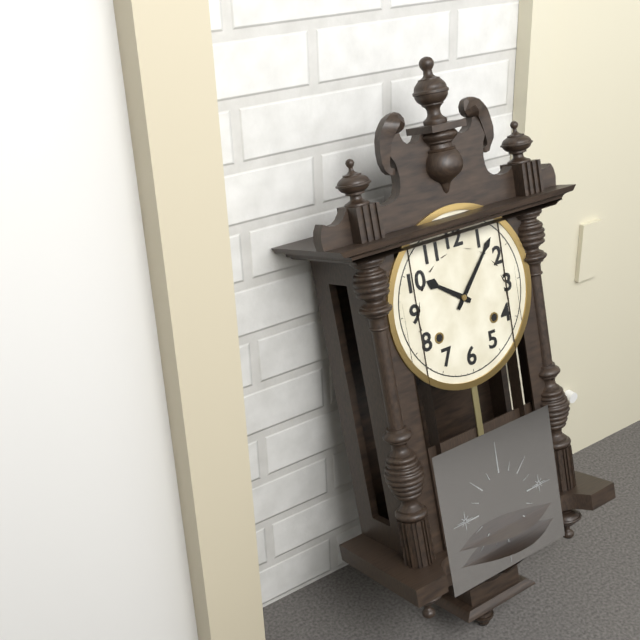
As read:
10,07
